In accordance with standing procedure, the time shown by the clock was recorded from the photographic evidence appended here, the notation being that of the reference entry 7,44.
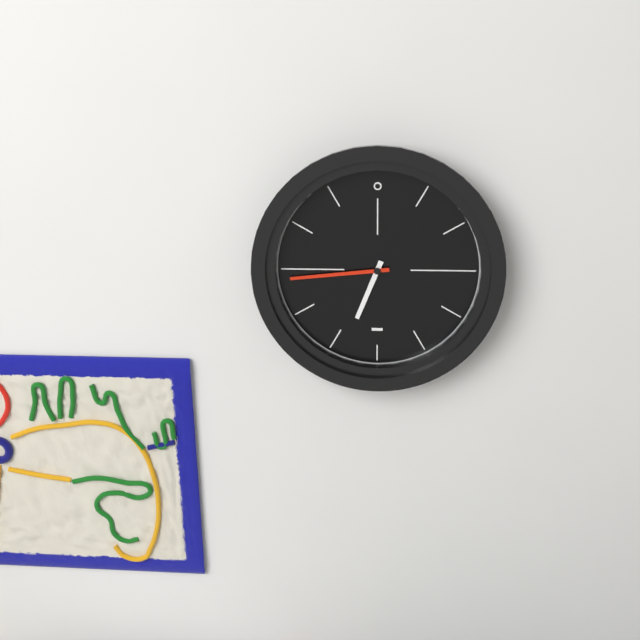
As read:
6,44
